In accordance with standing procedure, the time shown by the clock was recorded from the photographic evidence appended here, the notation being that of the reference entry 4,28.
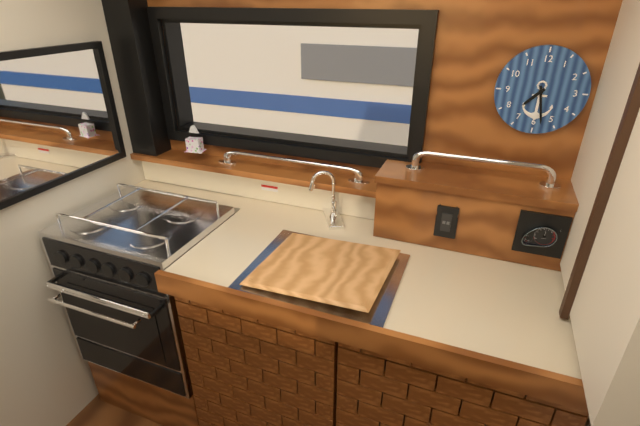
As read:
7,28
